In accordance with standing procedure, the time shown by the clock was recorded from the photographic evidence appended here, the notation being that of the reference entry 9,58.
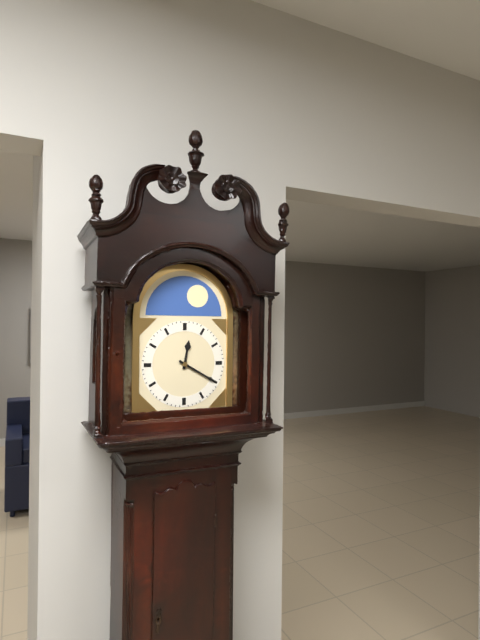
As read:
12,20
